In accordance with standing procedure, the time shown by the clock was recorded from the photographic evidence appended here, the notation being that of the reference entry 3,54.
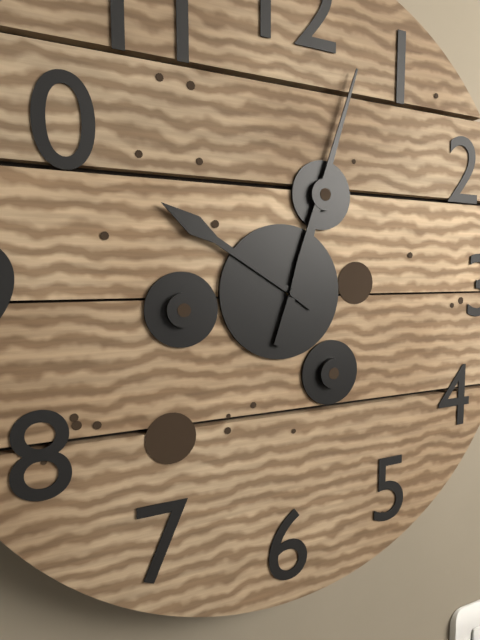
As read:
10,03
